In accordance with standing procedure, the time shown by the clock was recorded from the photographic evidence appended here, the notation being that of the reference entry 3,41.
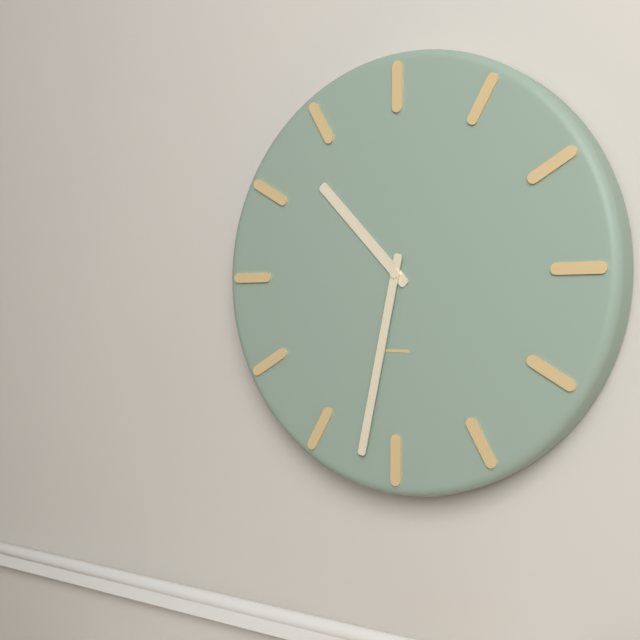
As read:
10,32
